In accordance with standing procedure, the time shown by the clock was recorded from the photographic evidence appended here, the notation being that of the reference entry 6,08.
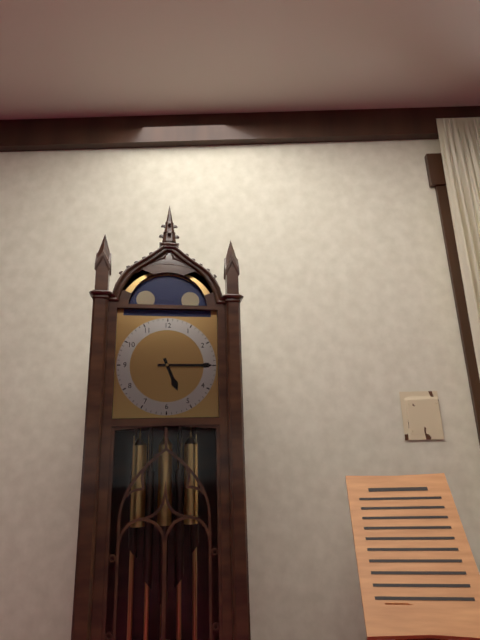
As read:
5,15
